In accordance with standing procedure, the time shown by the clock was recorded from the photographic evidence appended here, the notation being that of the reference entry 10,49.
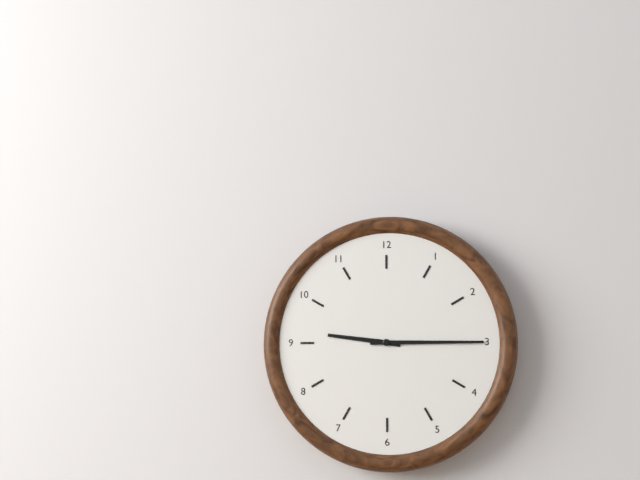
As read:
9,15
